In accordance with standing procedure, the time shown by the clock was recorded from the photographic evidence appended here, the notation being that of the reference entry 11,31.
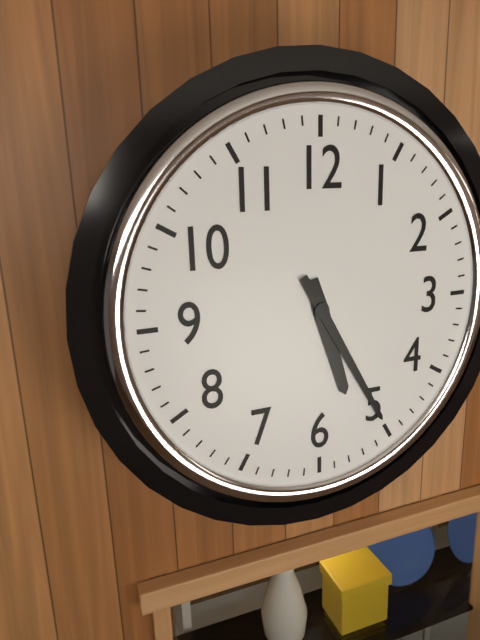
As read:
5,25
